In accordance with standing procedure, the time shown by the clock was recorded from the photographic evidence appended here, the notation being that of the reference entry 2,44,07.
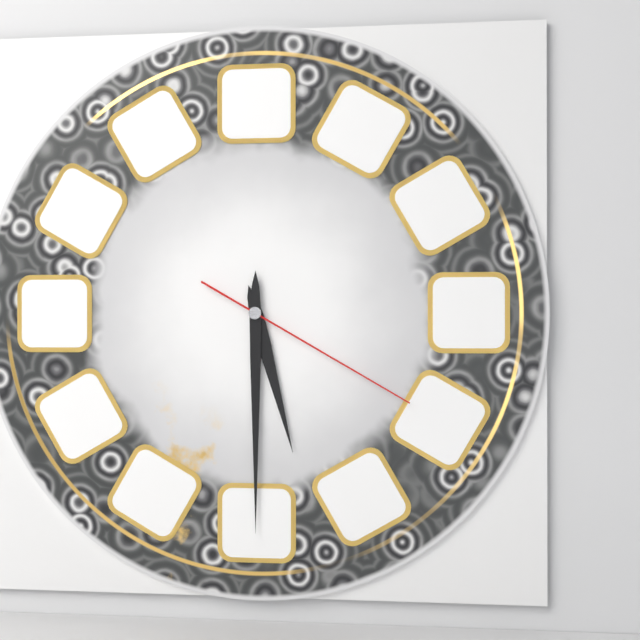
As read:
5,30,20
